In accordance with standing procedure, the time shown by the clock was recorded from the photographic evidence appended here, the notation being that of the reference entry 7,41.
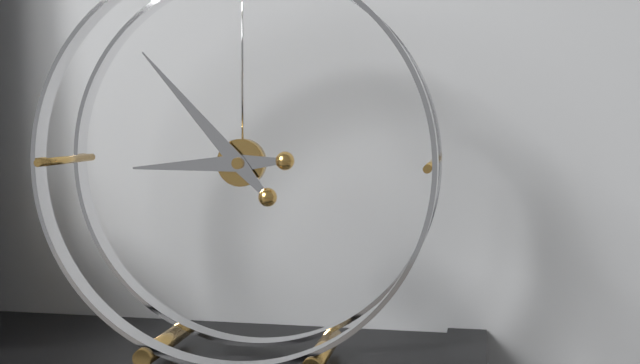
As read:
8,53
